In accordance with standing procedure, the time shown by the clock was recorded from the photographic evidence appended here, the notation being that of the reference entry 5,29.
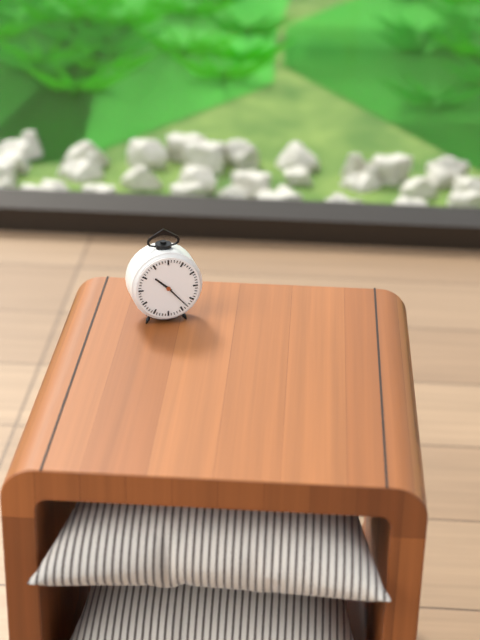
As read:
10,23
